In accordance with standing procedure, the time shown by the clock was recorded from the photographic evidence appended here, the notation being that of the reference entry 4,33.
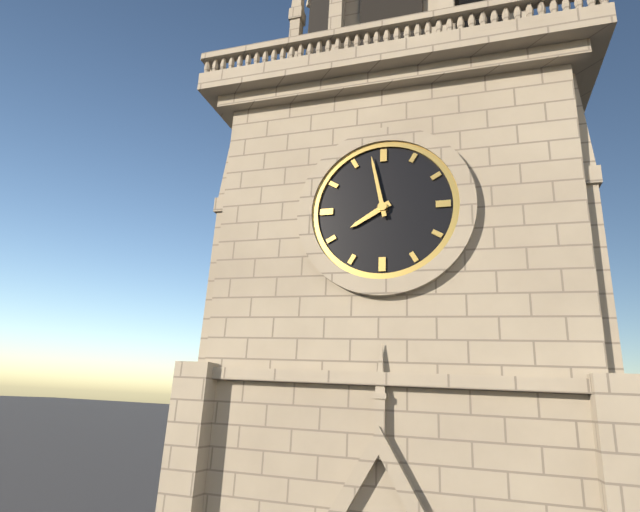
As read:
7,58
